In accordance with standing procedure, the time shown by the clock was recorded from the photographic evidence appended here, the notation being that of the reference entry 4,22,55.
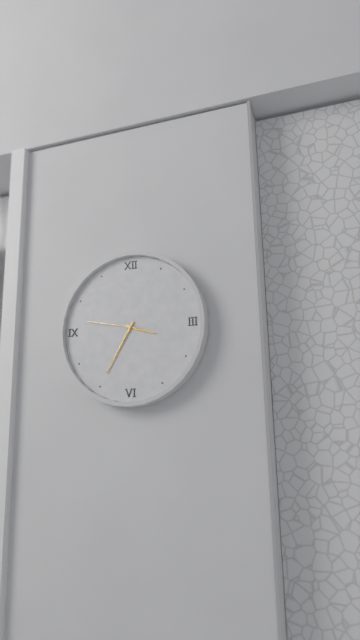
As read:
3,35,47
